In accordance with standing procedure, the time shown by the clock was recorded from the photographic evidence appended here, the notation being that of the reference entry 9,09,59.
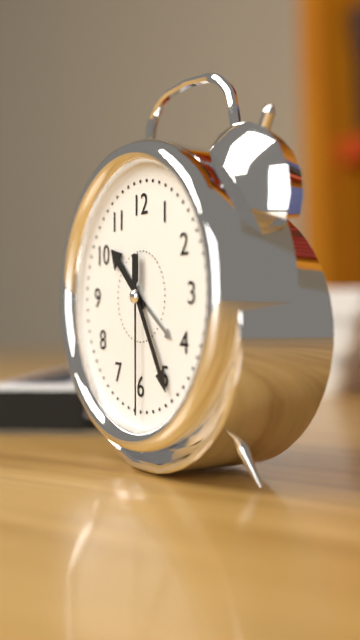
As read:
10,25,30
